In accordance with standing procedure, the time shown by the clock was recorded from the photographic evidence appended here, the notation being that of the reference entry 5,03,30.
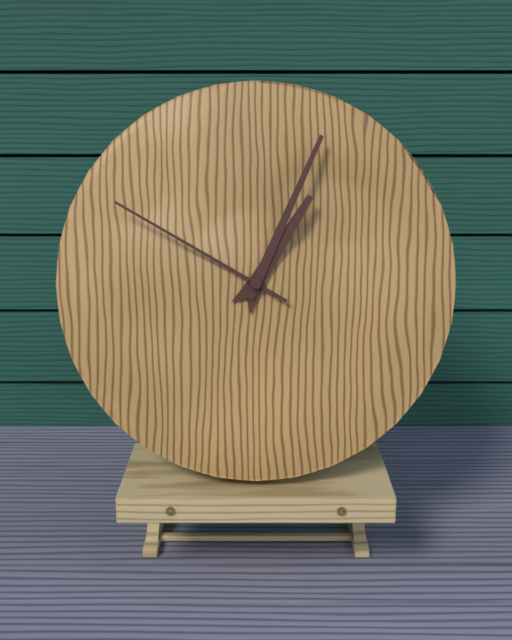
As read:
1,04,50
